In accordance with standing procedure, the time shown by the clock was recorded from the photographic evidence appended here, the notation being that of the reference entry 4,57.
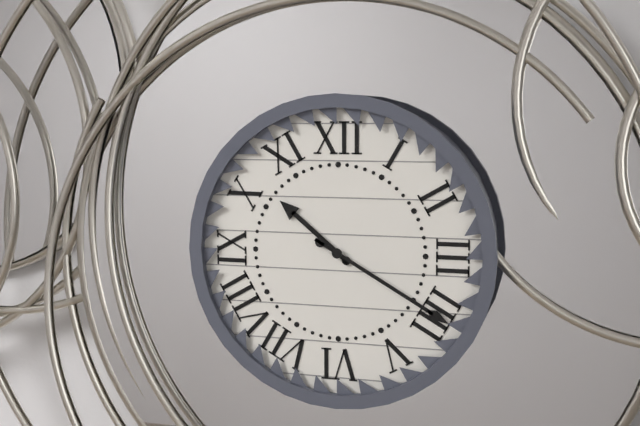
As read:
10,20
